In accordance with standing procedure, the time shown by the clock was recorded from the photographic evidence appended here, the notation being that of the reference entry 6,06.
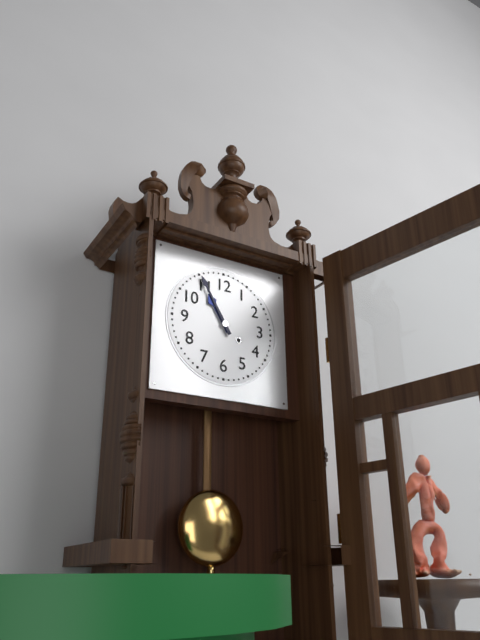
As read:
10,55
